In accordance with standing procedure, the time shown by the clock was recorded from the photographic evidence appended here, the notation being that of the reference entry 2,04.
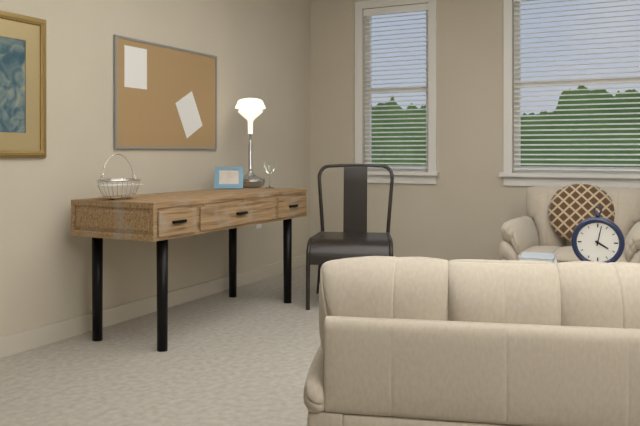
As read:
4,02
